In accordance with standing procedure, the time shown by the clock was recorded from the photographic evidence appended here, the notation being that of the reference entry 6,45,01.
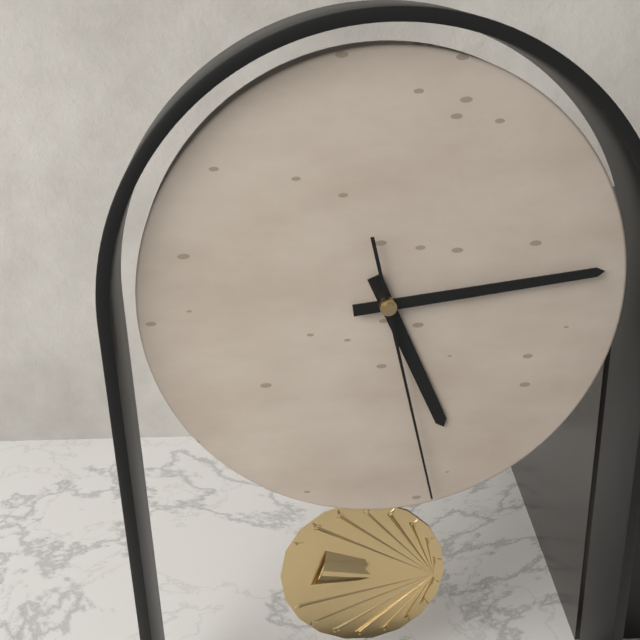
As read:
5,14,28
